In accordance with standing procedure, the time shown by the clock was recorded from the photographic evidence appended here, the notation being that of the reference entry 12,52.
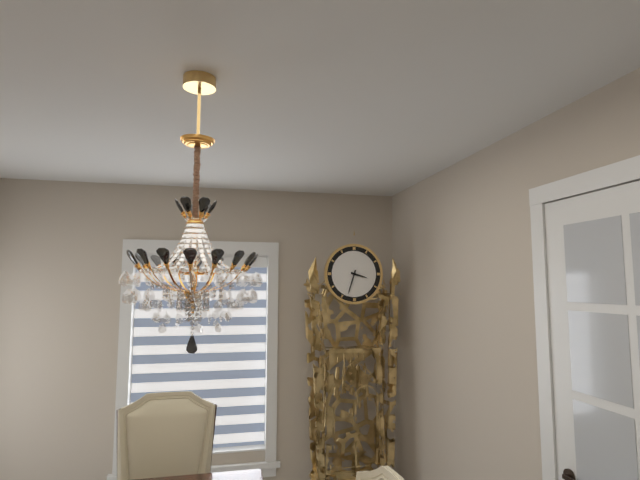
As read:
3,33
